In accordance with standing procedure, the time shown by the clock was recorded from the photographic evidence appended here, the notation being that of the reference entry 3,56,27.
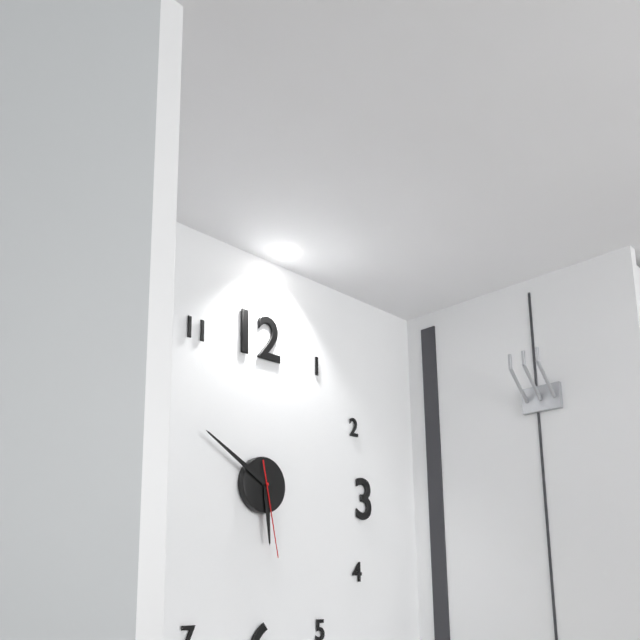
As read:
5,50,28
